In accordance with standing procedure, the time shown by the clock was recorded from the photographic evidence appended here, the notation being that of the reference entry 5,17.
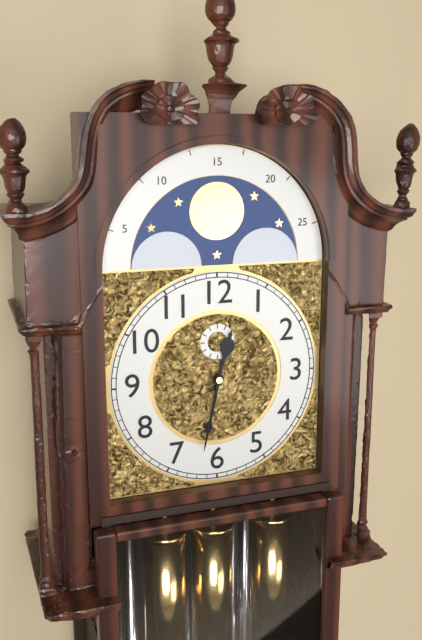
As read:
12,32
